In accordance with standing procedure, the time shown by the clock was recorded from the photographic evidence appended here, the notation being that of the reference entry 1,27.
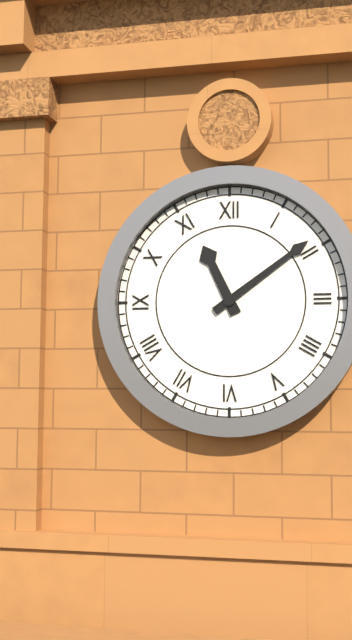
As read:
11,09
